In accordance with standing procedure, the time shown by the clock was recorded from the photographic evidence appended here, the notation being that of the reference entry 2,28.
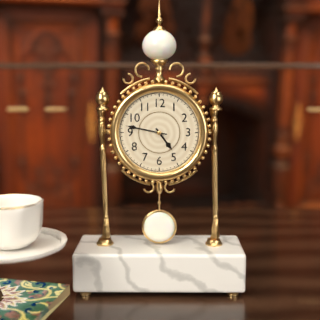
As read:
4,47
